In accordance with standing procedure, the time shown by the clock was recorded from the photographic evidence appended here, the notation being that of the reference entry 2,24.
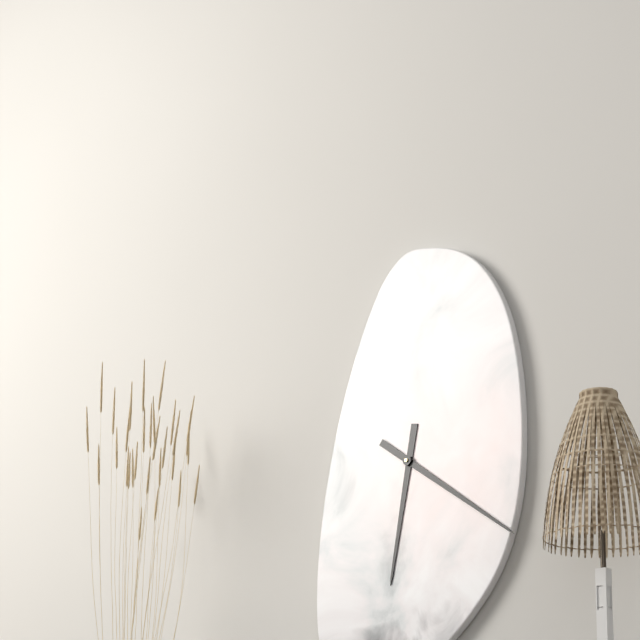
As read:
6,21
